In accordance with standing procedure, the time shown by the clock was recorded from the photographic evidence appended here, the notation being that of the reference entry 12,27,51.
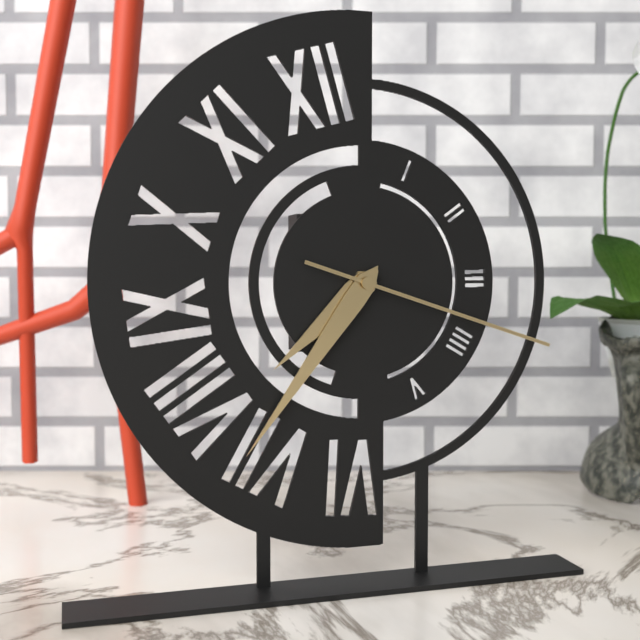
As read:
7,36,18
